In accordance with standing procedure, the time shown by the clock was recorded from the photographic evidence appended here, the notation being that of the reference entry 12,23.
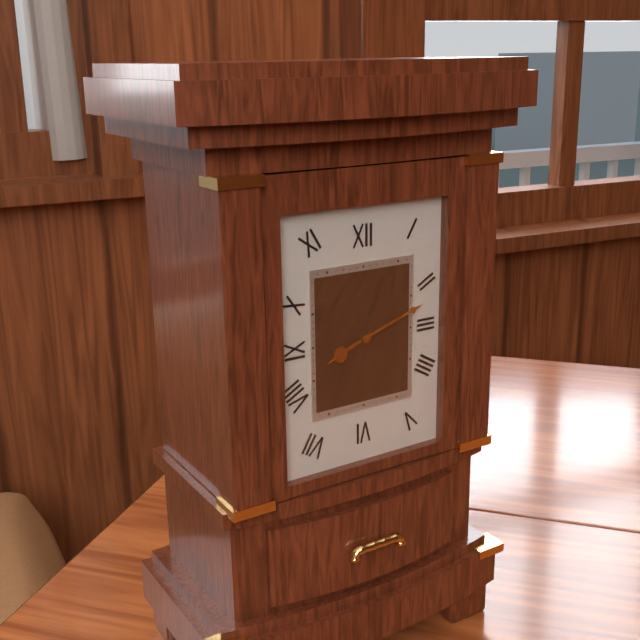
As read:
8,12
